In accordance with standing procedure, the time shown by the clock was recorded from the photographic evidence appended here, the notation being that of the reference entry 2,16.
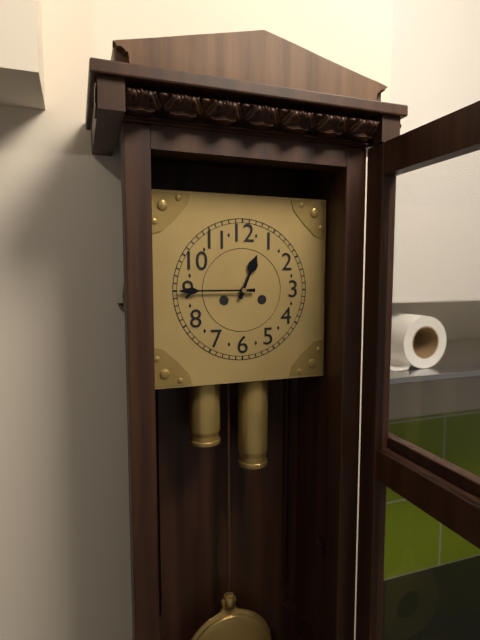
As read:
12,45
